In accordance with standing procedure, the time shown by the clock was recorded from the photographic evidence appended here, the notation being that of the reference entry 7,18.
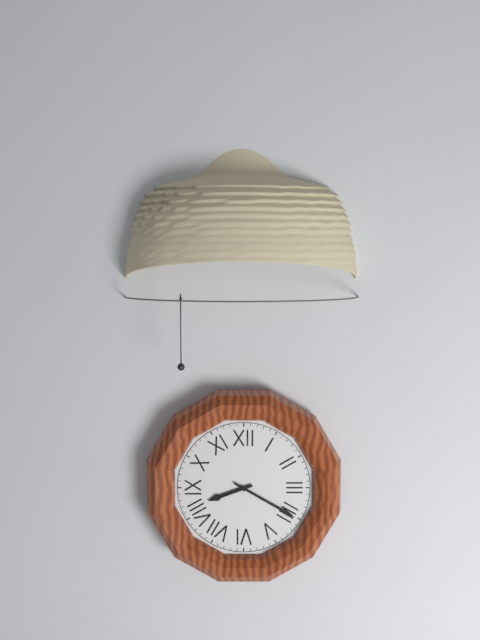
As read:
8,20
